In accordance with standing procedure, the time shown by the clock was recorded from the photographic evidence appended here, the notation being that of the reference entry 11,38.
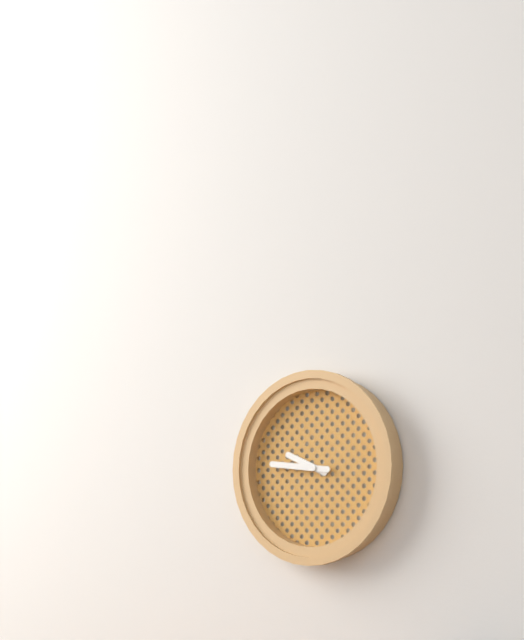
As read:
9,46
